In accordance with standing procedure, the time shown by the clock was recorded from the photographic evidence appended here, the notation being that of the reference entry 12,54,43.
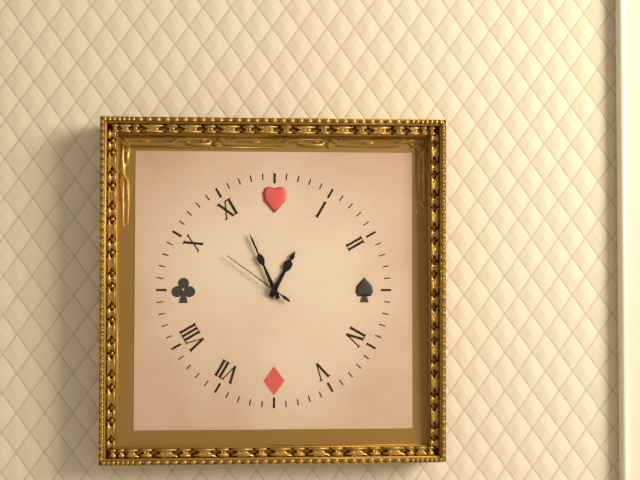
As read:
12,56,51
